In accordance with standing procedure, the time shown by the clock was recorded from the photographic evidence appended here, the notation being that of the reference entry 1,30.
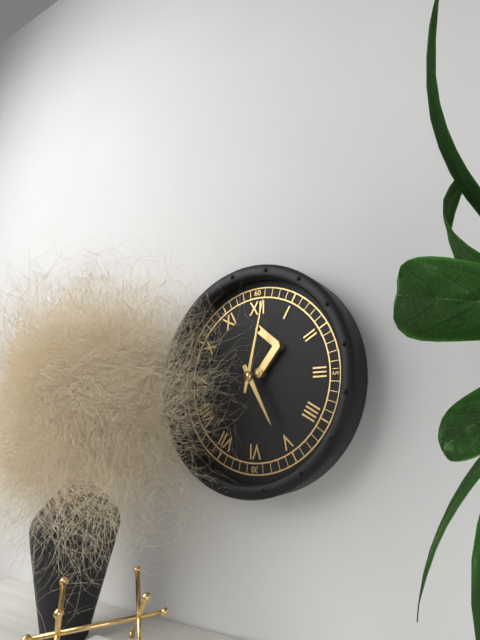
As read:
5,02
